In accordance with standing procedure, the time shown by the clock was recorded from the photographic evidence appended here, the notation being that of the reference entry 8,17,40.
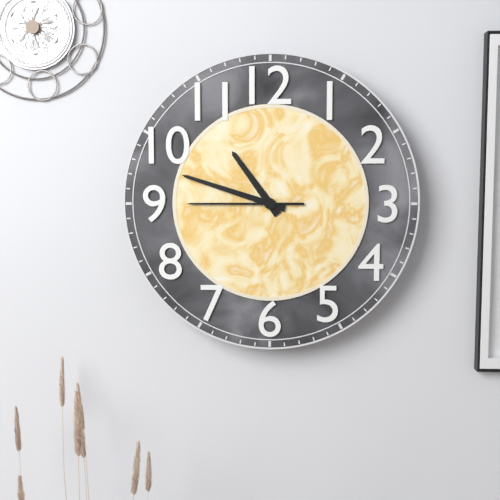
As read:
10,48,45
